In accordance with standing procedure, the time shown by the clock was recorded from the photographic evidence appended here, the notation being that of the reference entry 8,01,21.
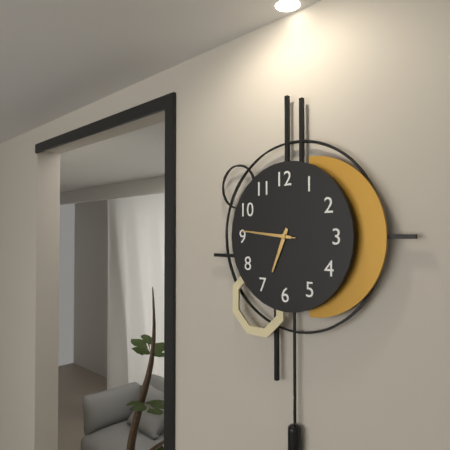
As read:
6,46,46
